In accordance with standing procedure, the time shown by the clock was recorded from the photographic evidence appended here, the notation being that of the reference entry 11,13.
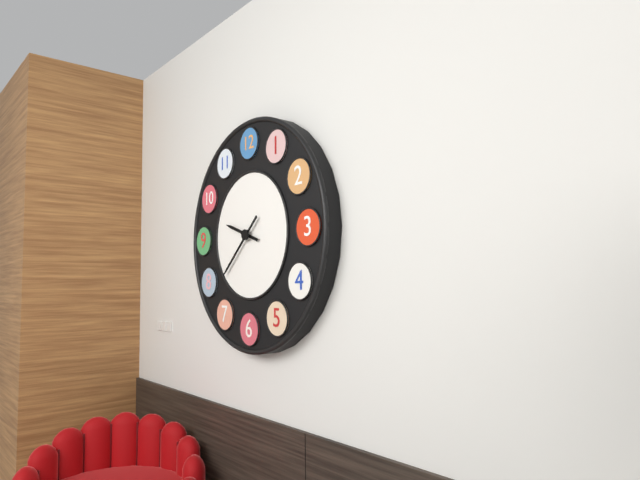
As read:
9,38
